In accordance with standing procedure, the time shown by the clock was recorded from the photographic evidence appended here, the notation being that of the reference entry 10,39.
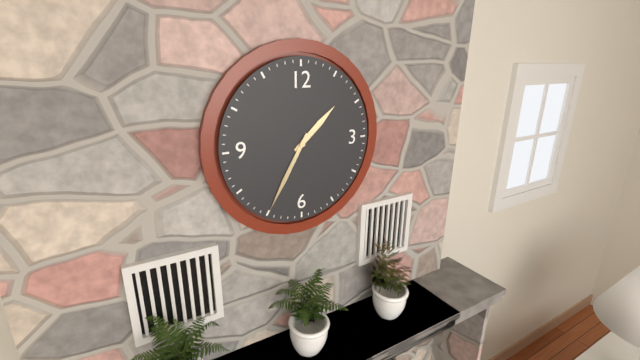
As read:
1,35
